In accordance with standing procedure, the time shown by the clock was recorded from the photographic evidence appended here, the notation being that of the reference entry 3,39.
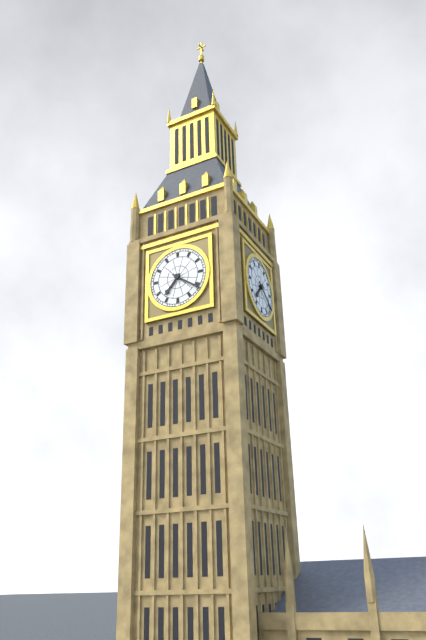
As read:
7,21
